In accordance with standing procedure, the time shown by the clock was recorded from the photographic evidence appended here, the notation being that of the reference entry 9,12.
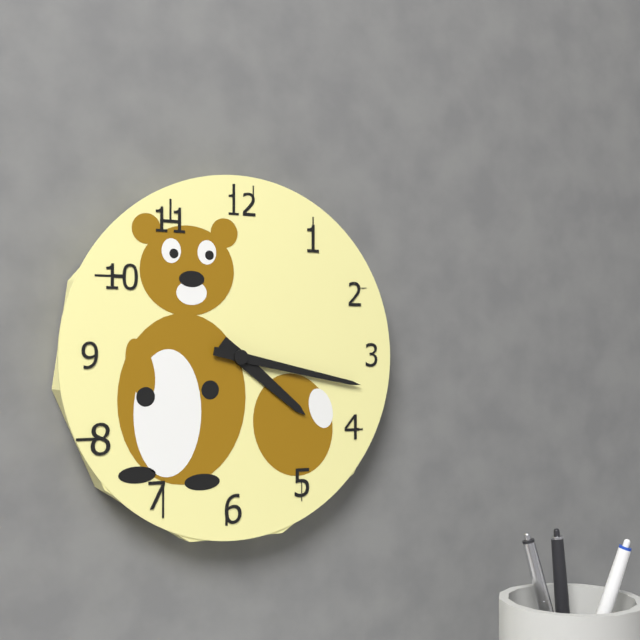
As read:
4,17
